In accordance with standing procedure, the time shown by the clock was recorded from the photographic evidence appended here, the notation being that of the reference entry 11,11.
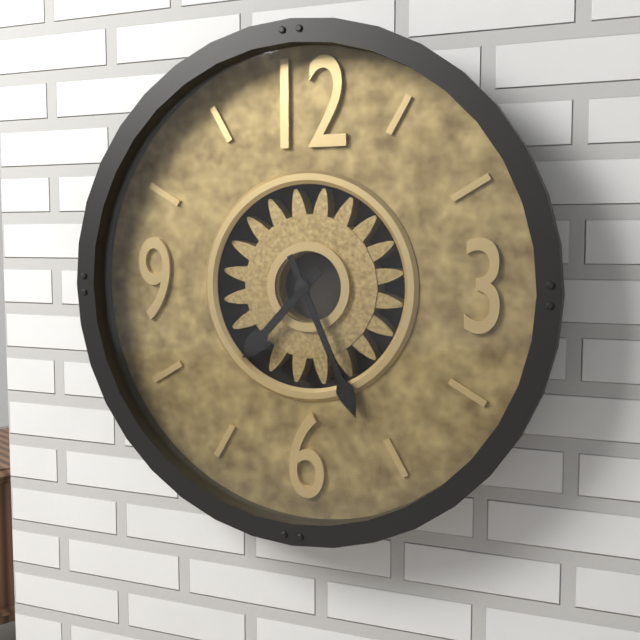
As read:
7,26
